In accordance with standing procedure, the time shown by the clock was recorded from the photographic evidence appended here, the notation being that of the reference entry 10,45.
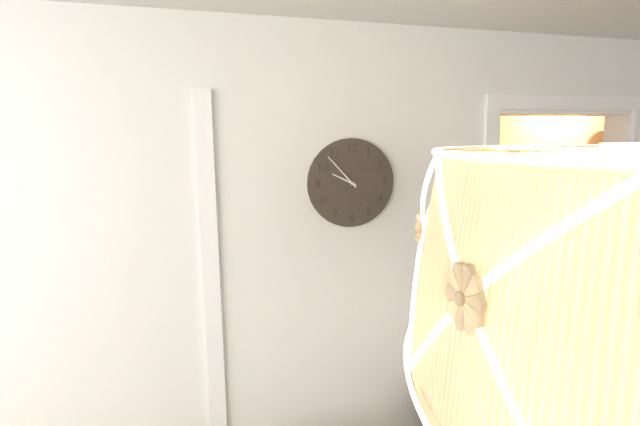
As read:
9,53
